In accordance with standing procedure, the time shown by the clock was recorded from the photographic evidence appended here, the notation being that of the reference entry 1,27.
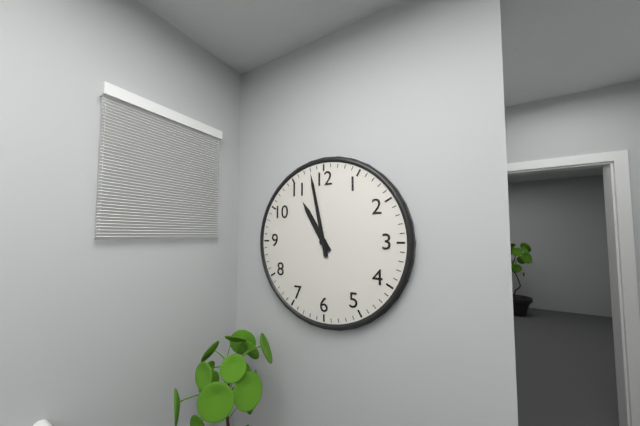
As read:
10,58
